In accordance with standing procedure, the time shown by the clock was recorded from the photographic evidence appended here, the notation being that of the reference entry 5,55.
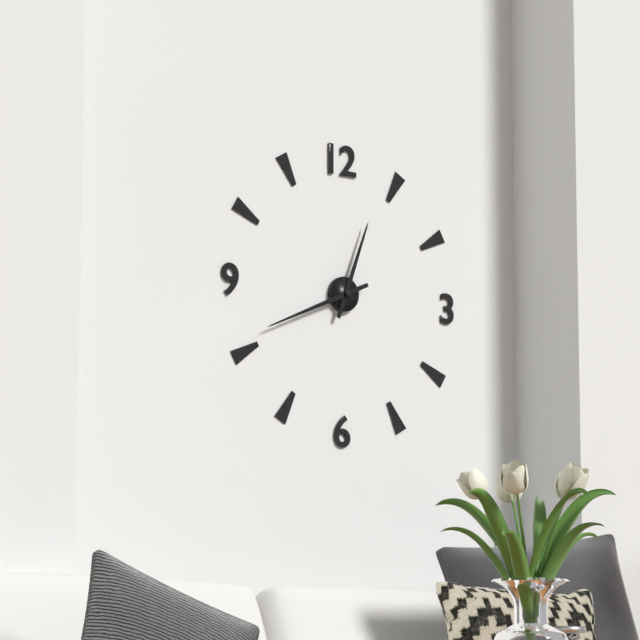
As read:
12,41
